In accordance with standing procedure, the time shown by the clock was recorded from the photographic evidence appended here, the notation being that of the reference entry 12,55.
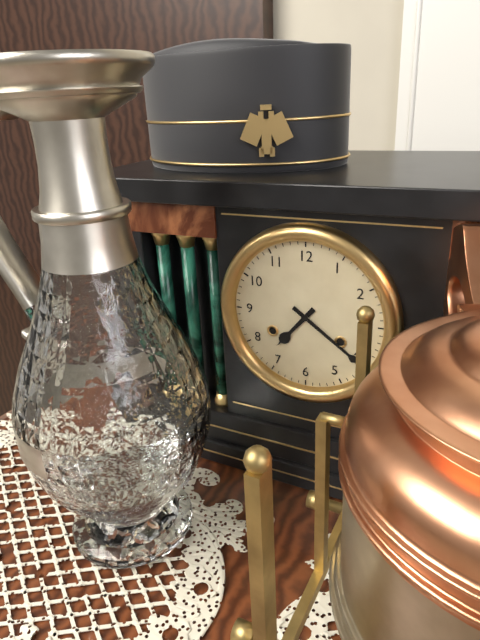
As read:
7,21
